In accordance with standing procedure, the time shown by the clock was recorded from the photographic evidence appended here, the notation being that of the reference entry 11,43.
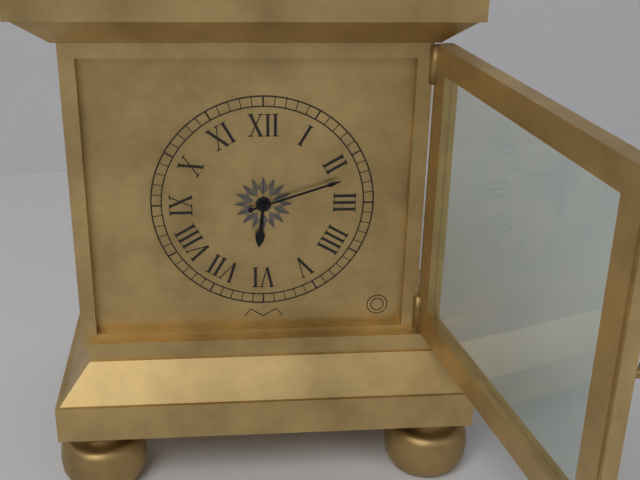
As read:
6,12
